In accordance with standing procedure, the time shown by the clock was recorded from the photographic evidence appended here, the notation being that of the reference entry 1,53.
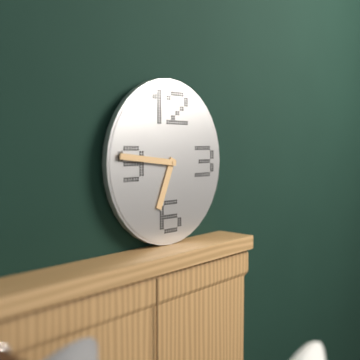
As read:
6,46
